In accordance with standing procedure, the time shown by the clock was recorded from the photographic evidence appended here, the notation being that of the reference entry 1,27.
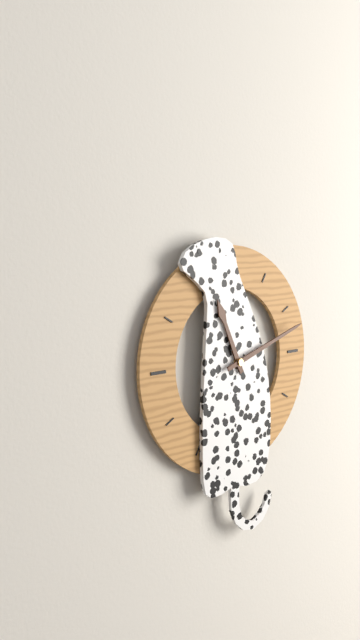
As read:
11,12
